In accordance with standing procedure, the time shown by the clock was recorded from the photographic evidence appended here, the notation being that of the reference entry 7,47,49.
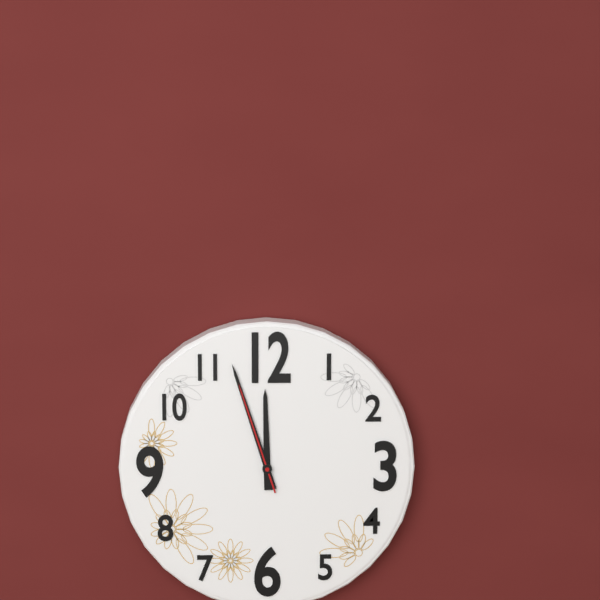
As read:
11,57,57
